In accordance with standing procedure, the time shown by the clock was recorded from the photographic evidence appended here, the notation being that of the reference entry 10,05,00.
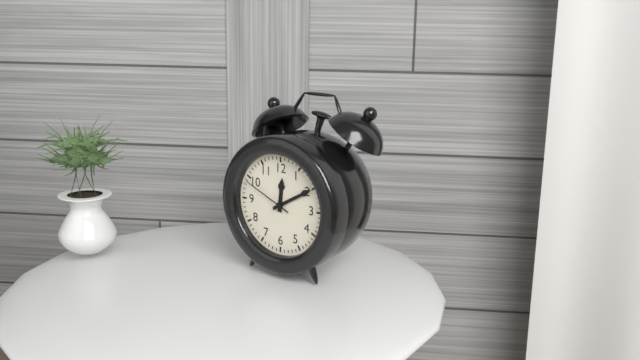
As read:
12,10,49
